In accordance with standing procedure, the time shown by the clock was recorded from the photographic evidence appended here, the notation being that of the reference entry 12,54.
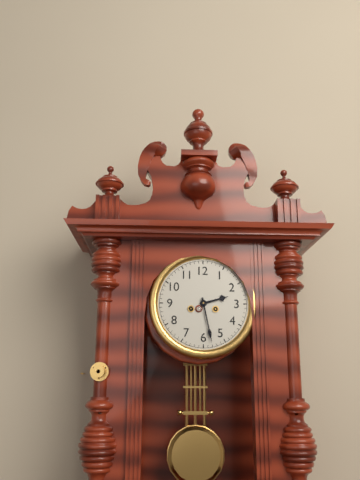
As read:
2,28
